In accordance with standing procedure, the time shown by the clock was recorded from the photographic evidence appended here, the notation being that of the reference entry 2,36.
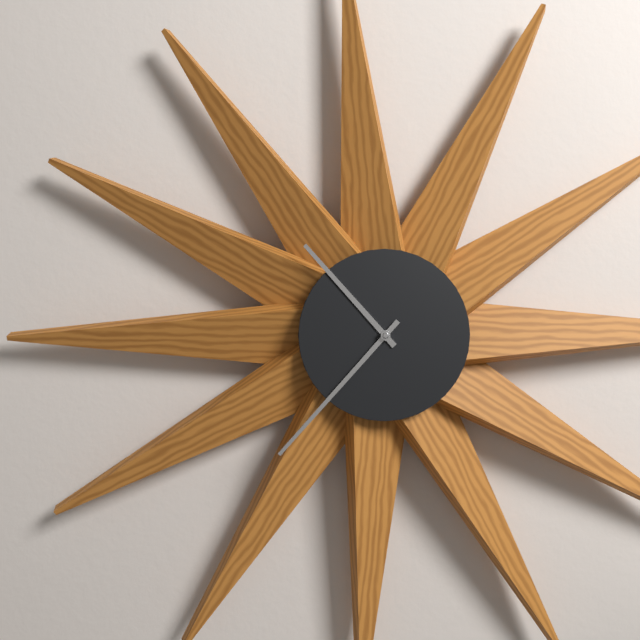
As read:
10,37
